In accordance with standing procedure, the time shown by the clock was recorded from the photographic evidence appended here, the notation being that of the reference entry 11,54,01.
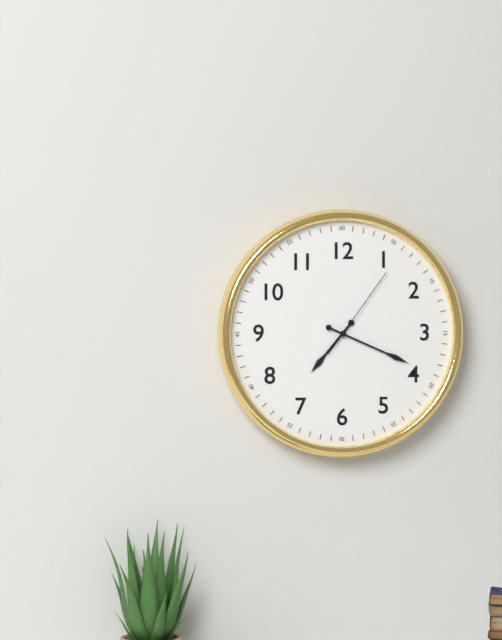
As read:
7,19,06
